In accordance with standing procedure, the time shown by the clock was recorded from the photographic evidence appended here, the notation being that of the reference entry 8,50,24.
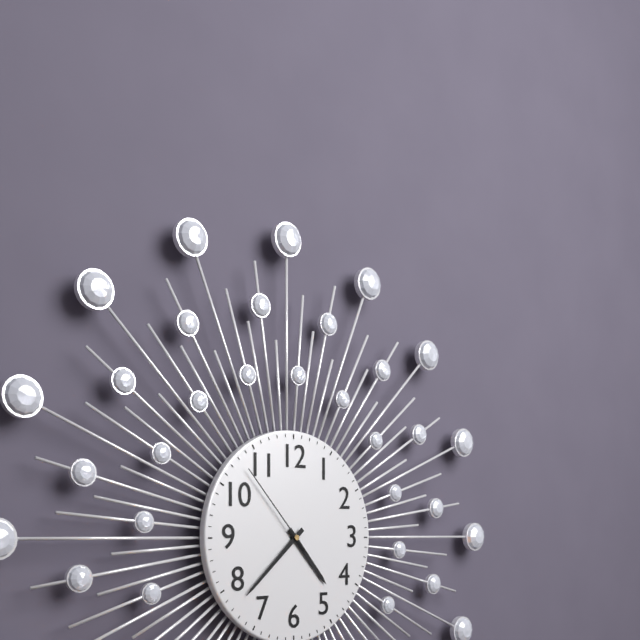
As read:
4,38,53
